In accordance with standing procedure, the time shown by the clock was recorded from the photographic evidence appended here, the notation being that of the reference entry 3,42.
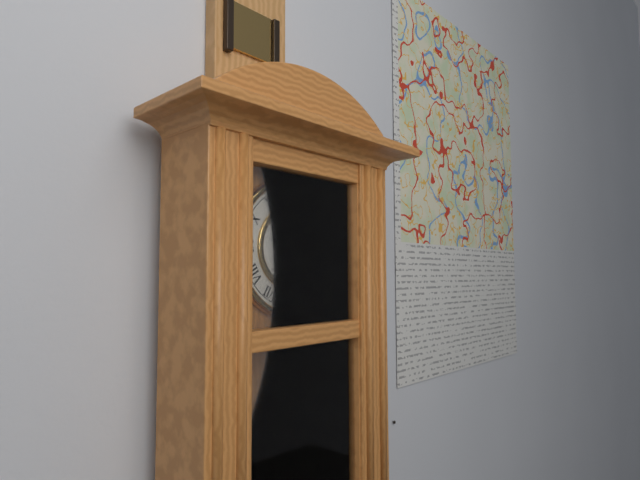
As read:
3,30
